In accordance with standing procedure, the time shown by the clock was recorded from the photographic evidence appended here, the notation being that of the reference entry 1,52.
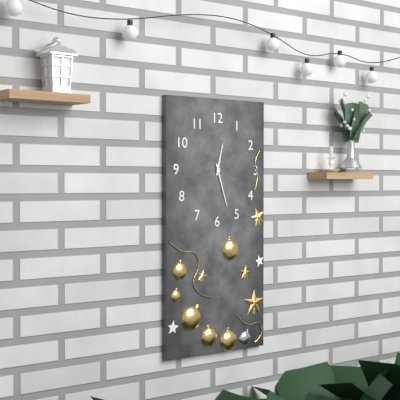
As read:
12,27
